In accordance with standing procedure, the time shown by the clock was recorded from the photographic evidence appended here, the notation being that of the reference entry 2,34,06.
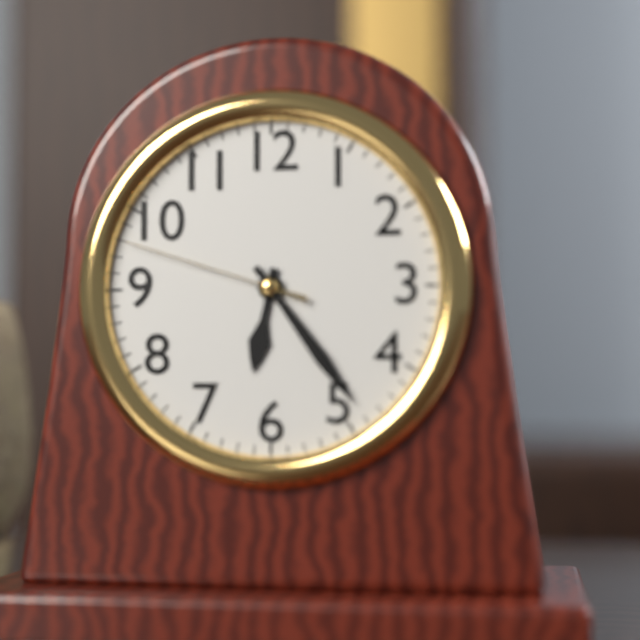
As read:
6,24,48
